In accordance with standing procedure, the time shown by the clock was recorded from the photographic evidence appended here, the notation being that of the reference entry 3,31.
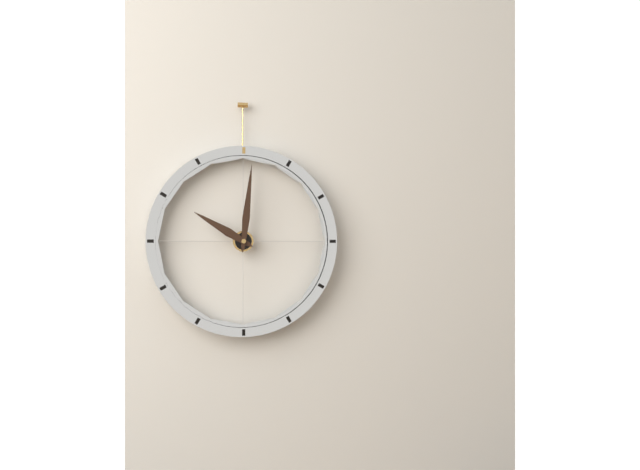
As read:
10,01
